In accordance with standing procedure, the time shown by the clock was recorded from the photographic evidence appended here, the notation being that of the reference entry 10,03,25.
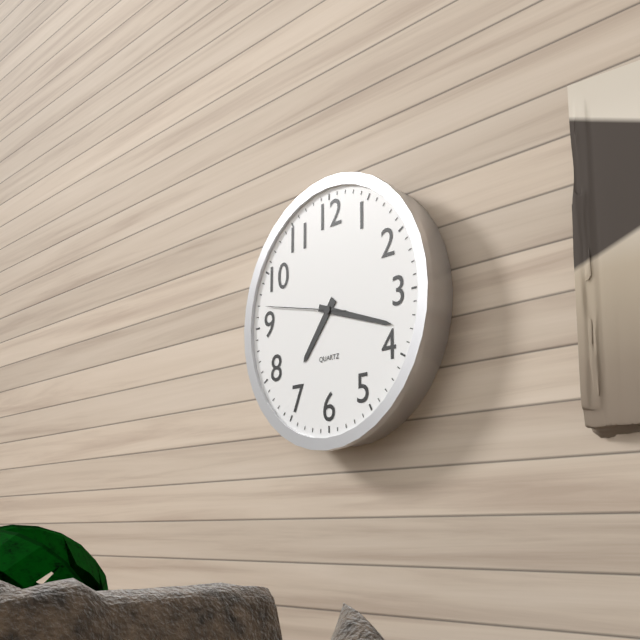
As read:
7,18,47
